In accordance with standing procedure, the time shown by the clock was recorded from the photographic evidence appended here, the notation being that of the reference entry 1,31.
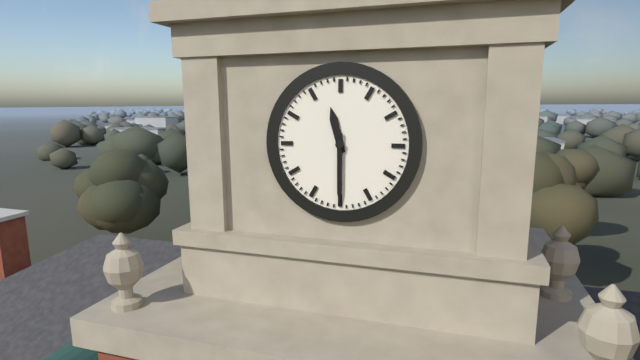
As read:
11,30
